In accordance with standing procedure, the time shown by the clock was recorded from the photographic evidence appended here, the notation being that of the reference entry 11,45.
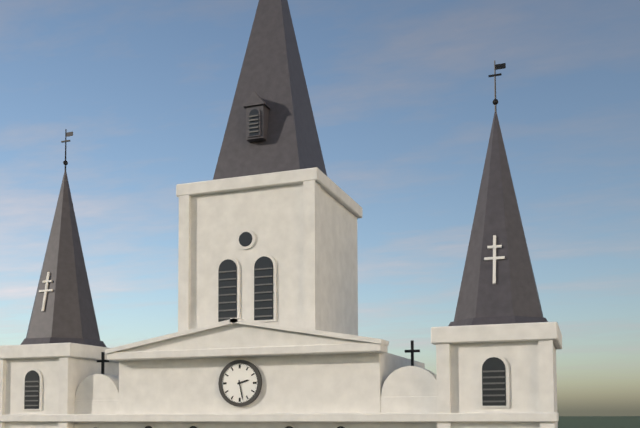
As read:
2,28
